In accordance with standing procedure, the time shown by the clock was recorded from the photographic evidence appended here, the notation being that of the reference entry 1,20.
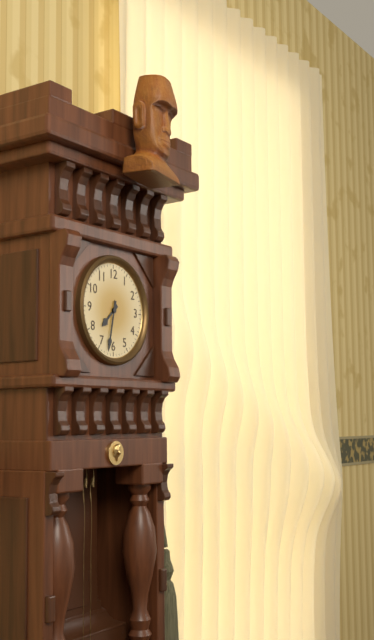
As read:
7,32
